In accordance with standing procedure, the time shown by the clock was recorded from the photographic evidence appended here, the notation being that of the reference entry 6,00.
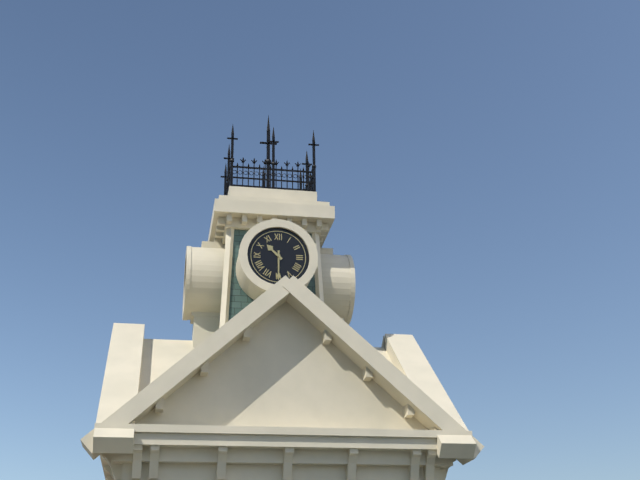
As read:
10,30
